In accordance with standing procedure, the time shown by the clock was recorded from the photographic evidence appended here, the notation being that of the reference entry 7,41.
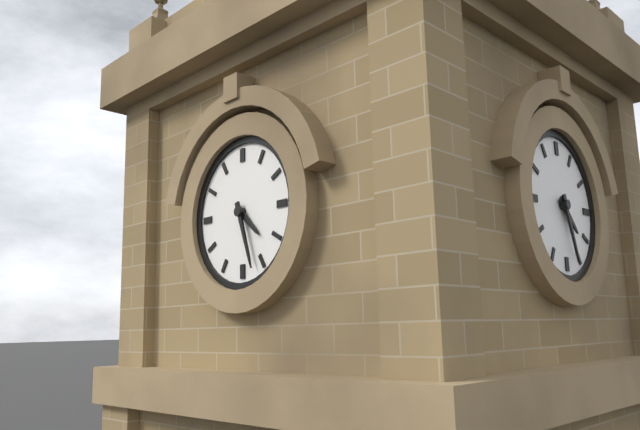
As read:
4,27
